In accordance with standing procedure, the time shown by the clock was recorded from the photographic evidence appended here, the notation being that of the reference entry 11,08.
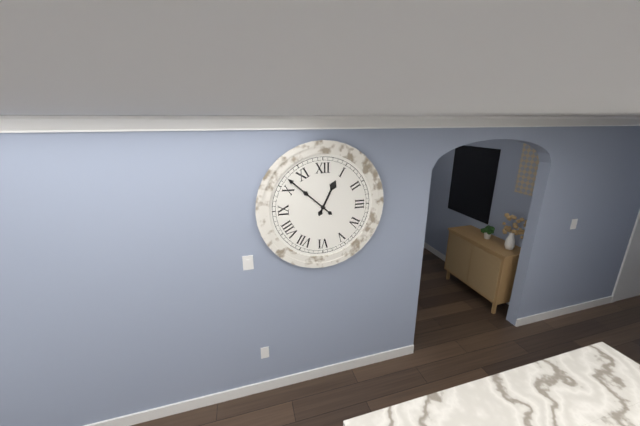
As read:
12,52
